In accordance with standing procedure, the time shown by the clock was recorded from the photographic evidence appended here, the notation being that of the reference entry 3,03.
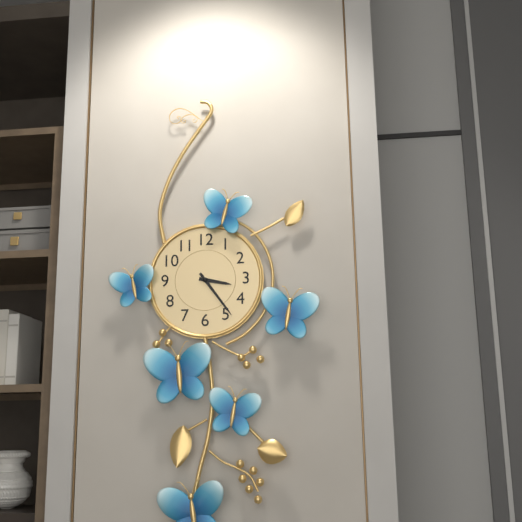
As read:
3,24
